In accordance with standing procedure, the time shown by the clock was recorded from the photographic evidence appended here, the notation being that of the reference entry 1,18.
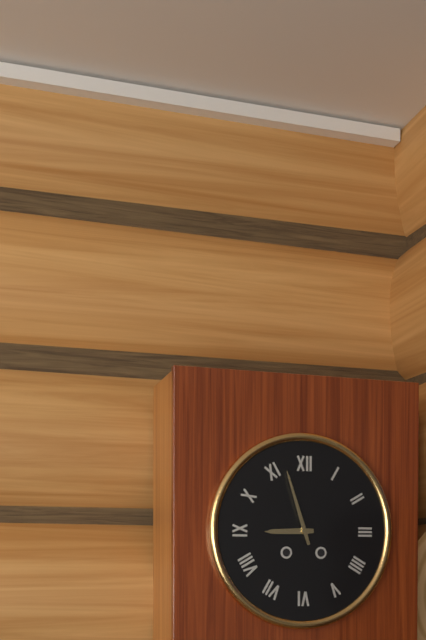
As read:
8,57
